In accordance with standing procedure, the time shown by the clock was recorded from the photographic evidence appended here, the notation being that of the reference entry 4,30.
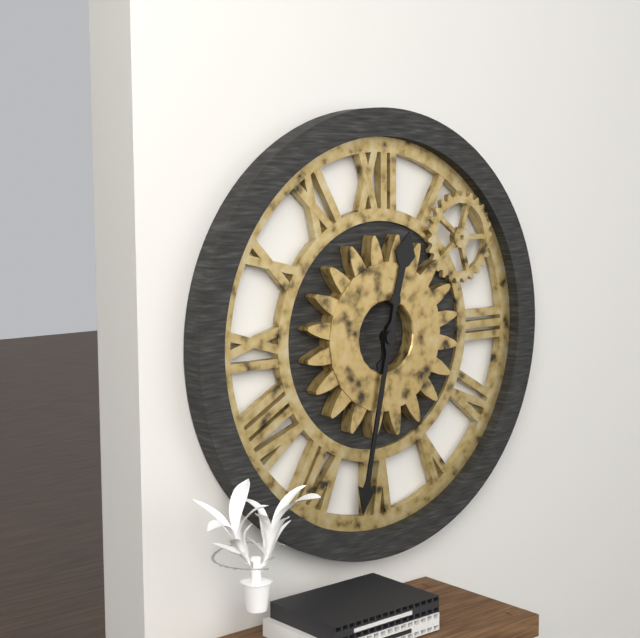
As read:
12,32
